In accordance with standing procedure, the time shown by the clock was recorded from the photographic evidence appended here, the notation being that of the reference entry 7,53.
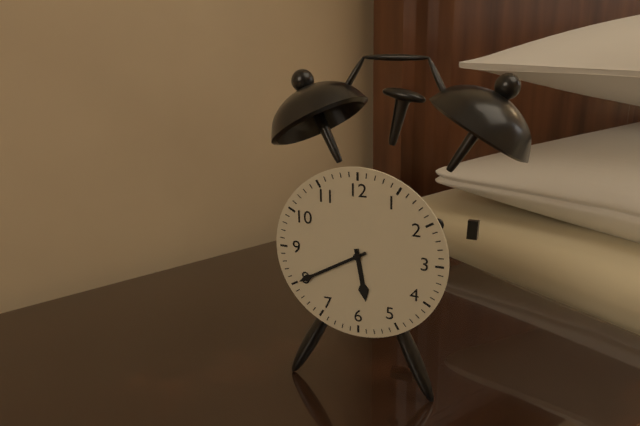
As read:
5,40
